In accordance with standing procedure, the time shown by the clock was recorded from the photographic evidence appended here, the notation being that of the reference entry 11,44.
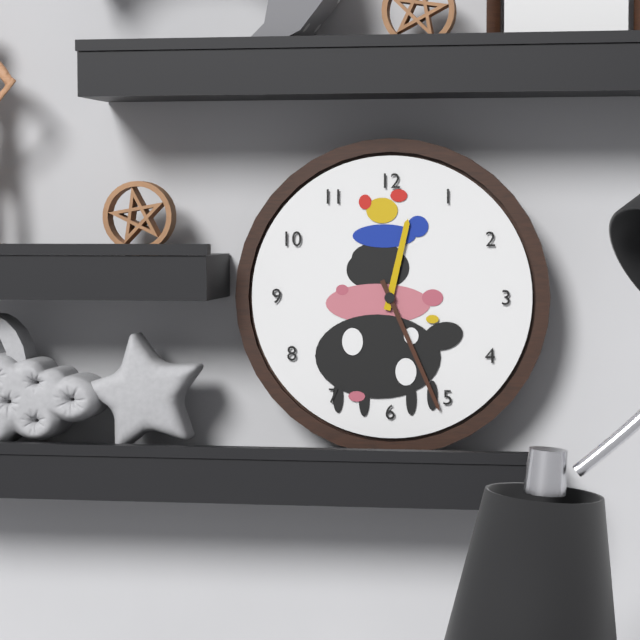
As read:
12,26
